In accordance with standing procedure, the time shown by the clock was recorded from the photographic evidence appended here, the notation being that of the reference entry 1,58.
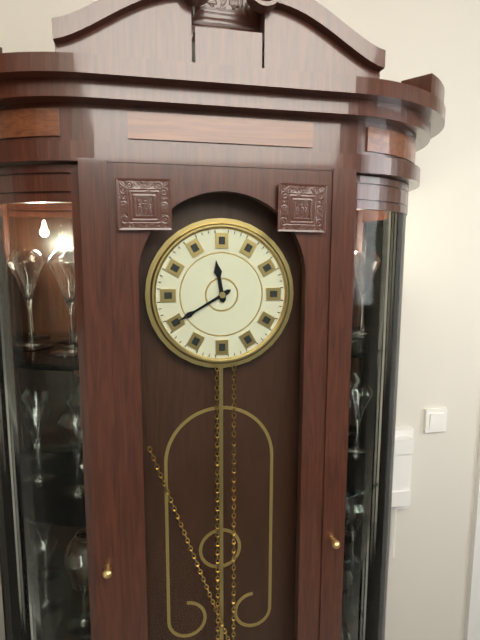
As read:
11,40
